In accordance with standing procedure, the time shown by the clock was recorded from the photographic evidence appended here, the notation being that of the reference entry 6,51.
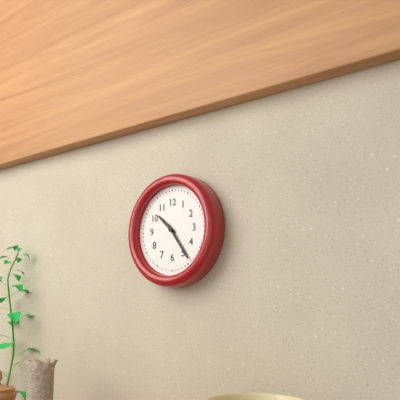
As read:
10,24
